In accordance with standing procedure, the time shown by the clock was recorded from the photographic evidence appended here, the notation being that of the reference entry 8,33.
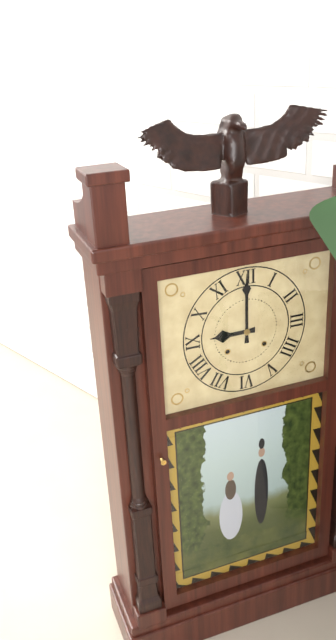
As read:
9,00
